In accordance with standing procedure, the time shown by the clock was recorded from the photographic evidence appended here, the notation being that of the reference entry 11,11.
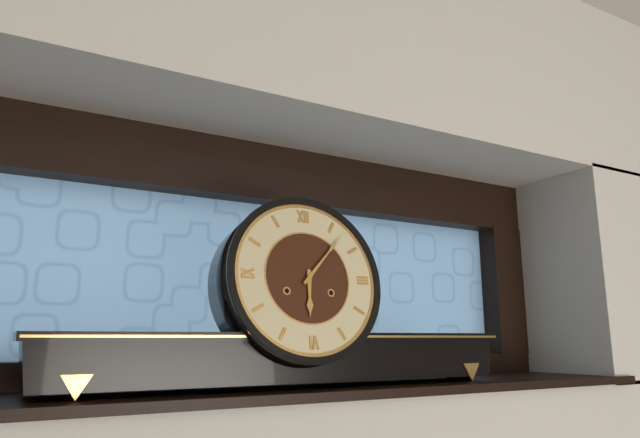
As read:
6,07
